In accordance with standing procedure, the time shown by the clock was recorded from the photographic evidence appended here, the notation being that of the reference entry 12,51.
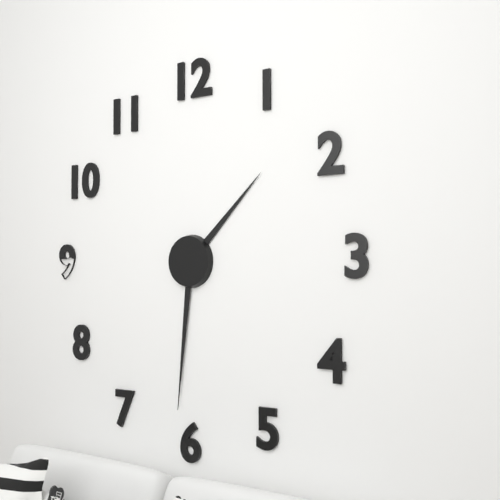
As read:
1,31
